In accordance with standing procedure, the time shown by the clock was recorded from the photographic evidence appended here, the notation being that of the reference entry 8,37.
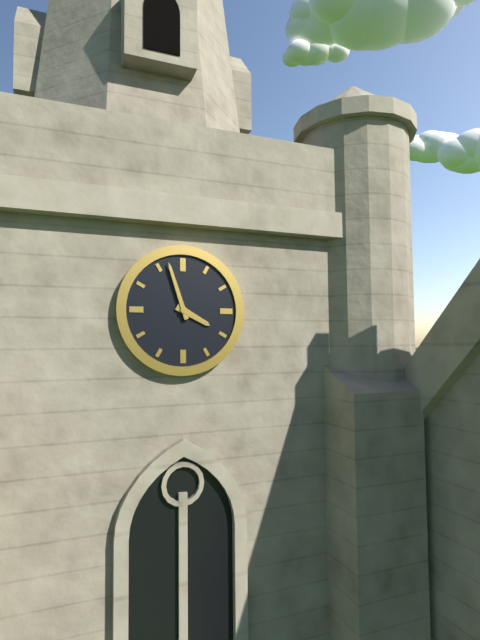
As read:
3,57
